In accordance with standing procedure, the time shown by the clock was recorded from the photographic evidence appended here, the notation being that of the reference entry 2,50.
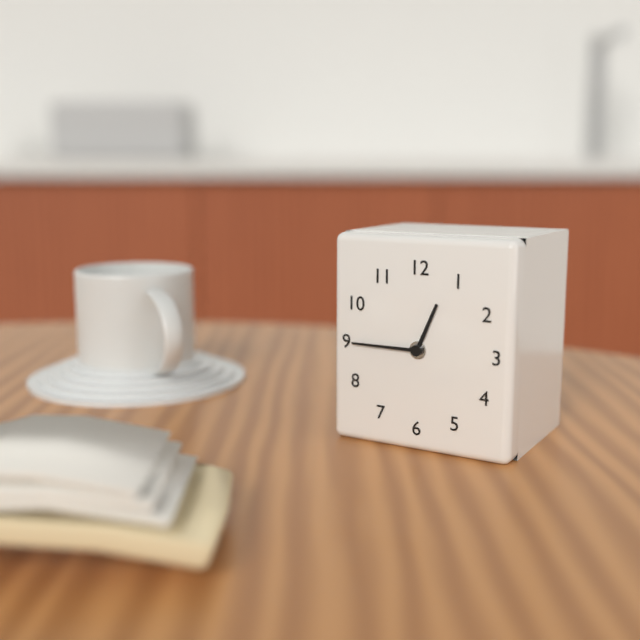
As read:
12,45
